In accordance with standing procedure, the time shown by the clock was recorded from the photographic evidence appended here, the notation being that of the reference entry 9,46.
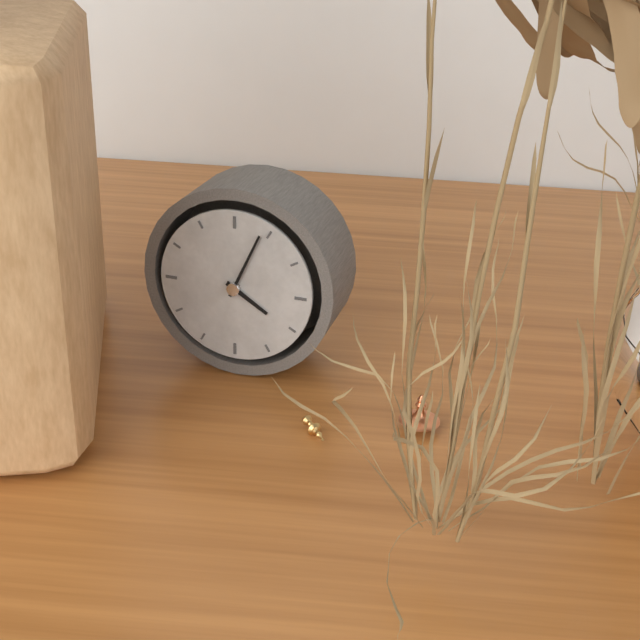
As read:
4,04
